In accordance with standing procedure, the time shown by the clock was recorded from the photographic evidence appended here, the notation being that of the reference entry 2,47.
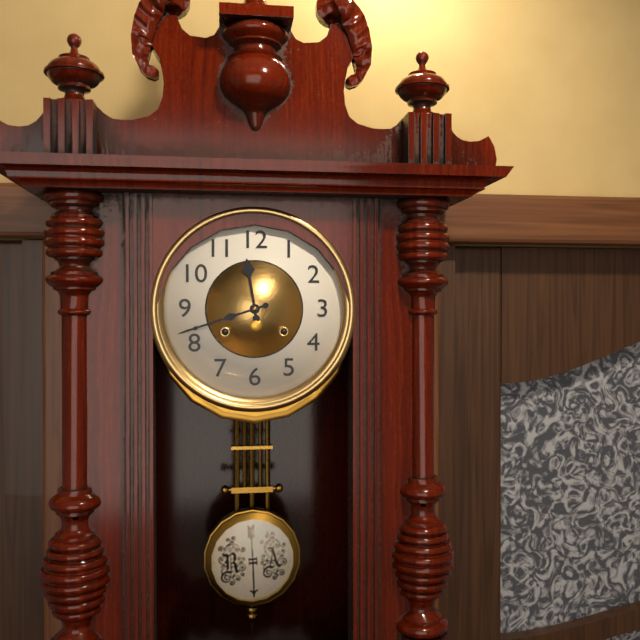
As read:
11,42
